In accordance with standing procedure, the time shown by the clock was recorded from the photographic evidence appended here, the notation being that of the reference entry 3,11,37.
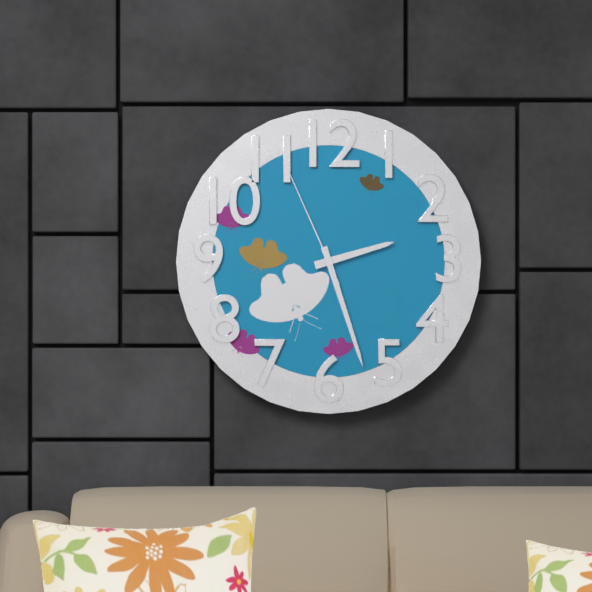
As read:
2,27,56
